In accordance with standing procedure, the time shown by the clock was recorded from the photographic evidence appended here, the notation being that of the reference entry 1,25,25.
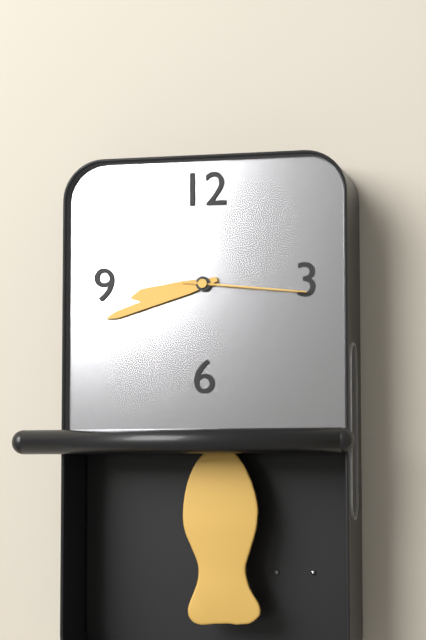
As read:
8,42,16
